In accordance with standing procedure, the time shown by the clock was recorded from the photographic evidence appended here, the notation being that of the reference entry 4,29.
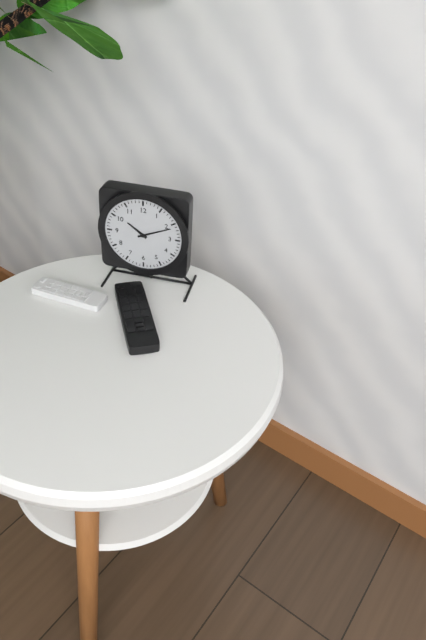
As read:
10,11
